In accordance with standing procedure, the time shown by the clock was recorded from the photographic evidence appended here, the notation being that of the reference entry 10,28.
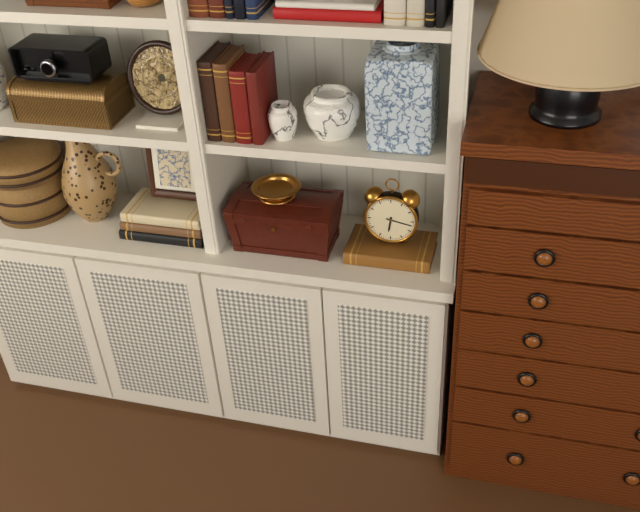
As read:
6,17
